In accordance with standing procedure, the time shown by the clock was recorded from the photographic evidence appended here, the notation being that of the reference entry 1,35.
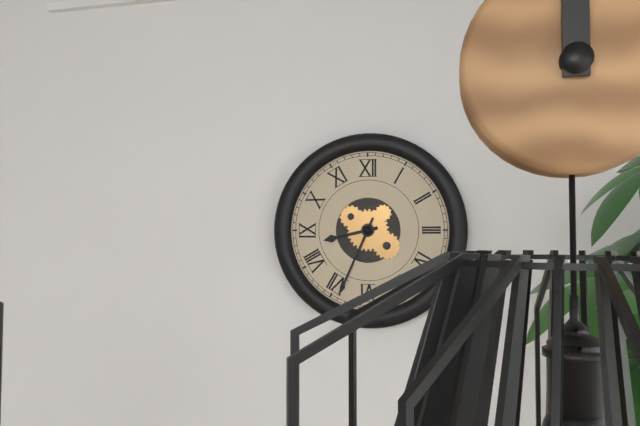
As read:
8,34
